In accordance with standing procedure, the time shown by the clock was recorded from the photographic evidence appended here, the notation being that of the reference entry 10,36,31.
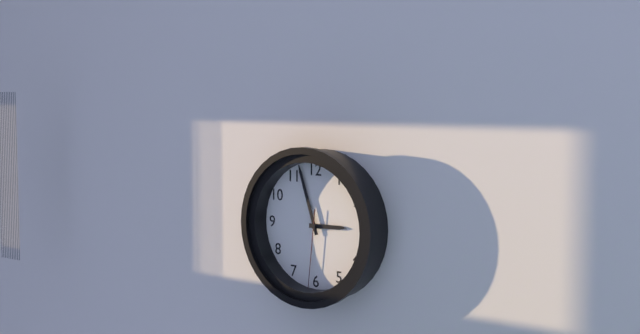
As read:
2,57,31
